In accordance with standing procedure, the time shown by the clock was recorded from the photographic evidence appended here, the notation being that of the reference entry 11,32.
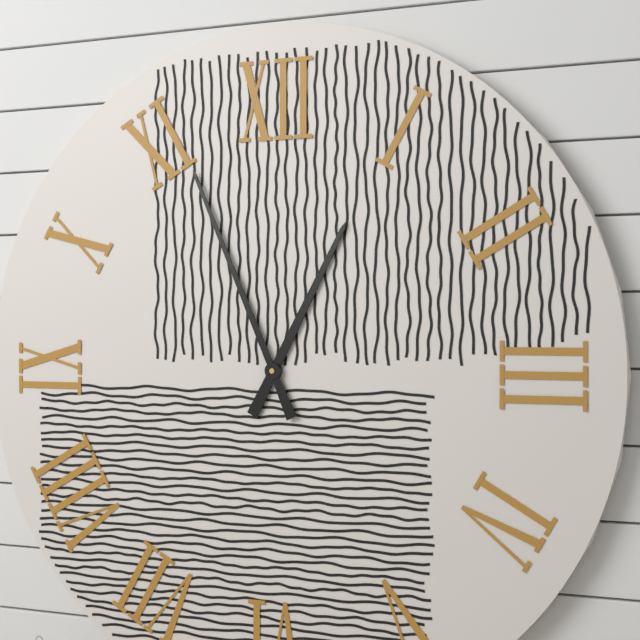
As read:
12,56
